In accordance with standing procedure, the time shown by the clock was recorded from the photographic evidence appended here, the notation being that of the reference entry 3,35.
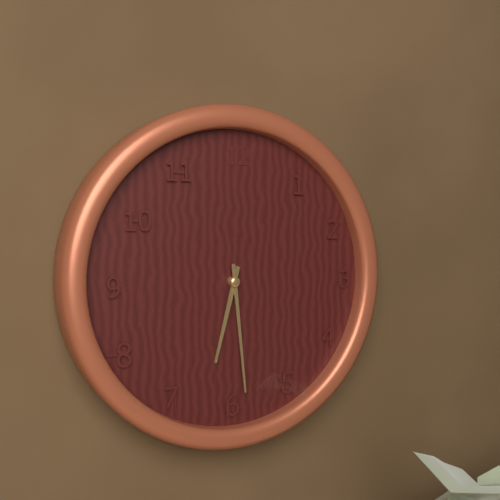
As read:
6,29
